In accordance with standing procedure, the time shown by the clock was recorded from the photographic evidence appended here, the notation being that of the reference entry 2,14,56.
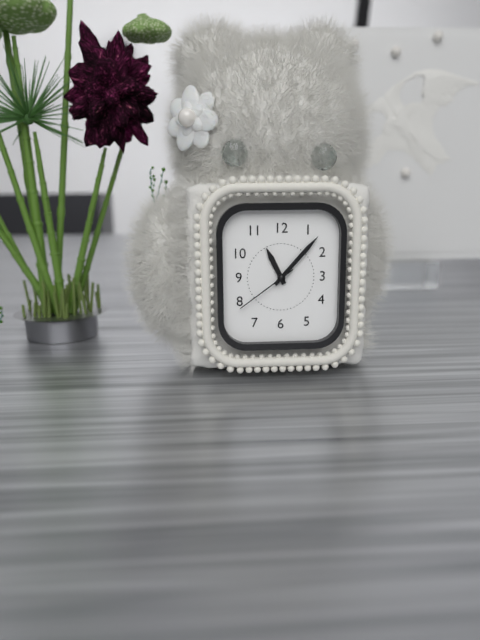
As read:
11,07,39
